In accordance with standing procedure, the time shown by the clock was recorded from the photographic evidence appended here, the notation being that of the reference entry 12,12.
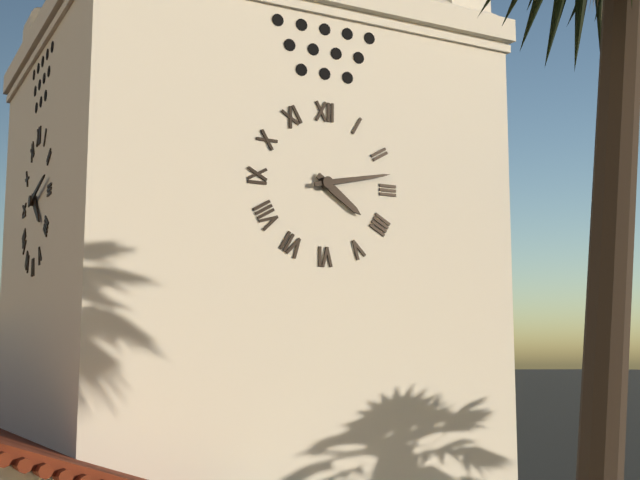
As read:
4,13
